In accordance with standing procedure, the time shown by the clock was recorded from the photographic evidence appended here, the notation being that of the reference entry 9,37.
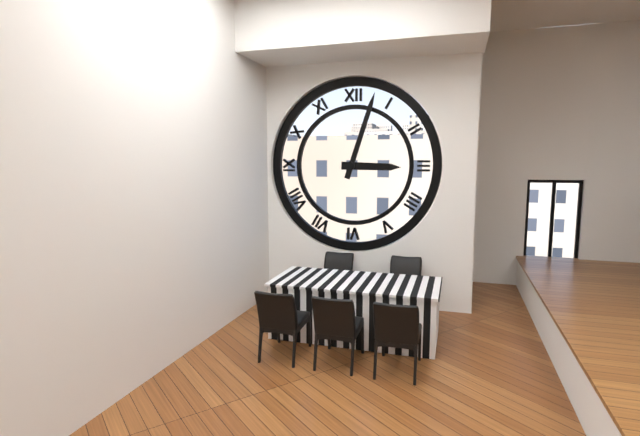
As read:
3,03
